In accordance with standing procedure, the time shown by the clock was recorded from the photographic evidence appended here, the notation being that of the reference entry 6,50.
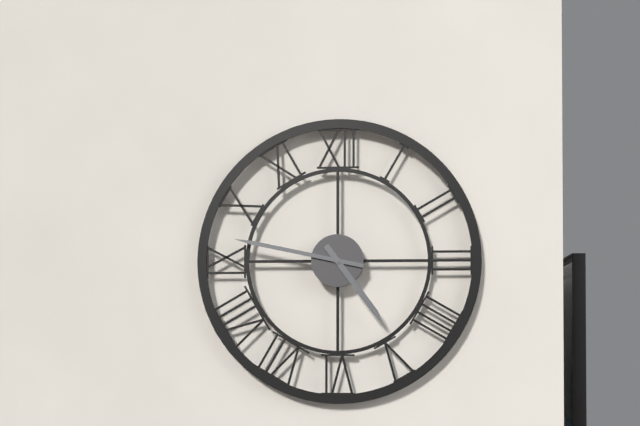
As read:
4,47
